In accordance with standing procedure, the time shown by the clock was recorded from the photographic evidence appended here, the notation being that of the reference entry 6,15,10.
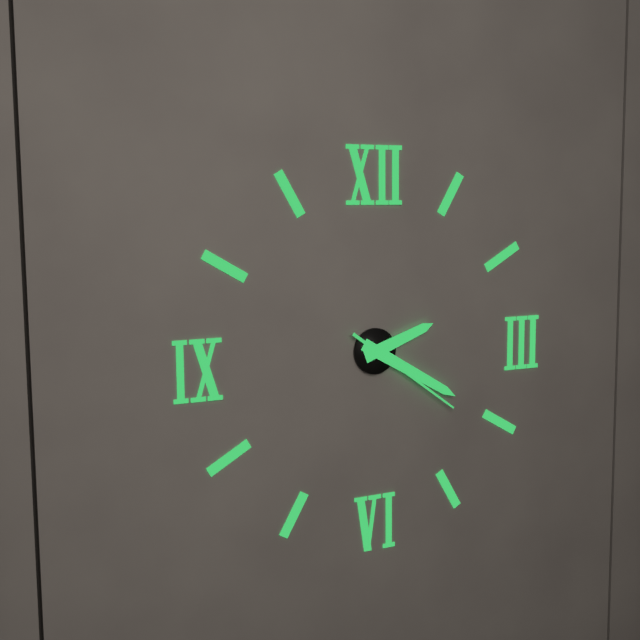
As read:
2,20,21
